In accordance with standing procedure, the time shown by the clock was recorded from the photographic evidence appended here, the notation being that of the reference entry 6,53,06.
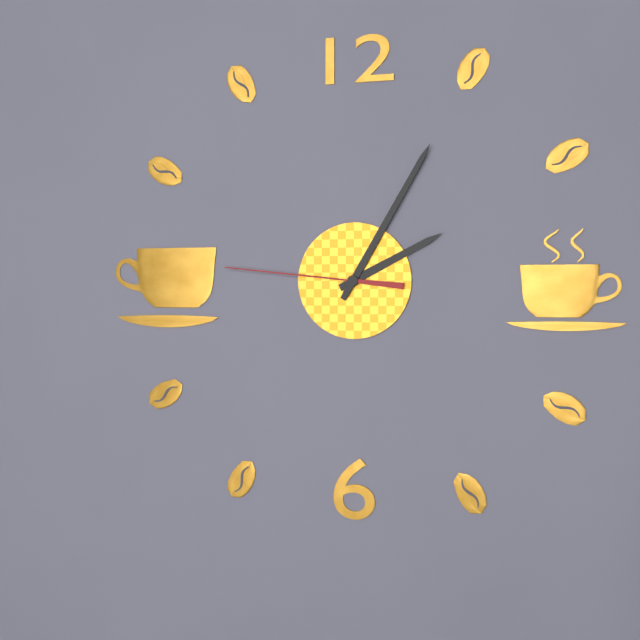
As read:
2,05,46
